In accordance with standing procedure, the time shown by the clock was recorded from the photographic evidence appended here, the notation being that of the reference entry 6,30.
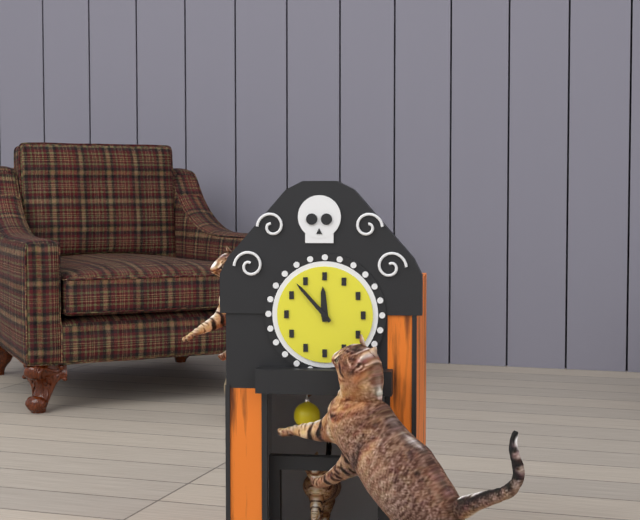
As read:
11,53
